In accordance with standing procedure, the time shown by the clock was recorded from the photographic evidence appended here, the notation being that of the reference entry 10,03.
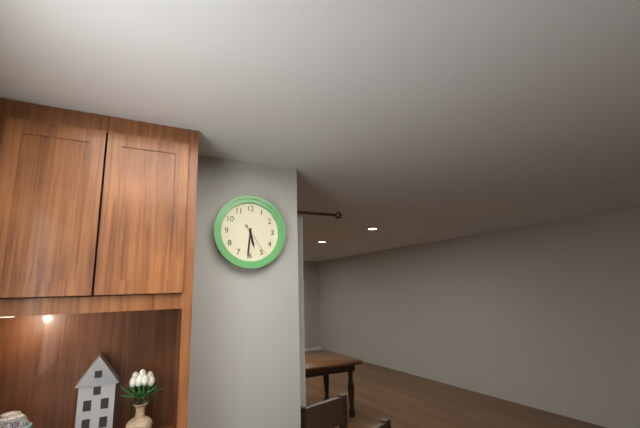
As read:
5,31
